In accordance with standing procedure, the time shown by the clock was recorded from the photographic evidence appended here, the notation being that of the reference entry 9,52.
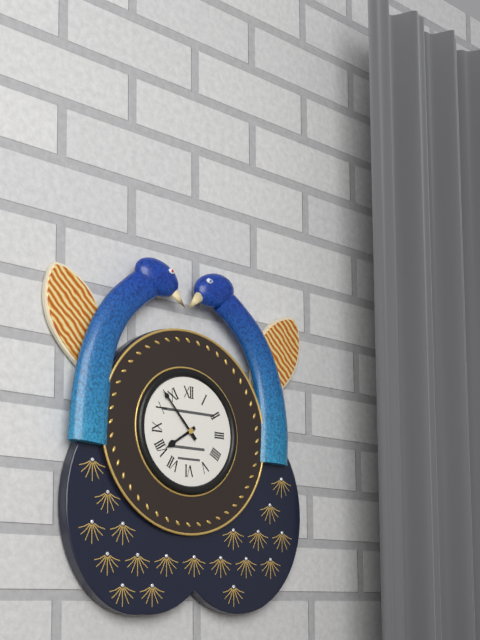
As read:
7,53
